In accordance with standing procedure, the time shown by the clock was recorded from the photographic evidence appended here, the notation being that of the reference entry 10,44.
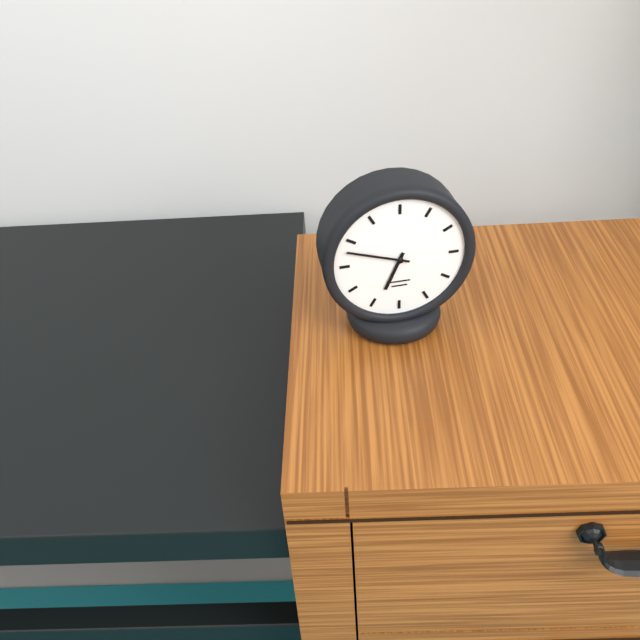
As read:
6,48
